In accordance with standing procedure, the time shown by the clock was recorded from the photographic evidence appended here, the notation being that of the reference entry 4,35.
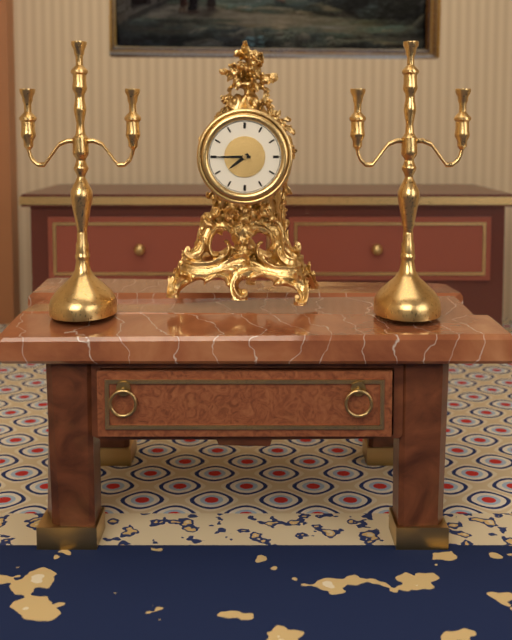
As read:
7,45
